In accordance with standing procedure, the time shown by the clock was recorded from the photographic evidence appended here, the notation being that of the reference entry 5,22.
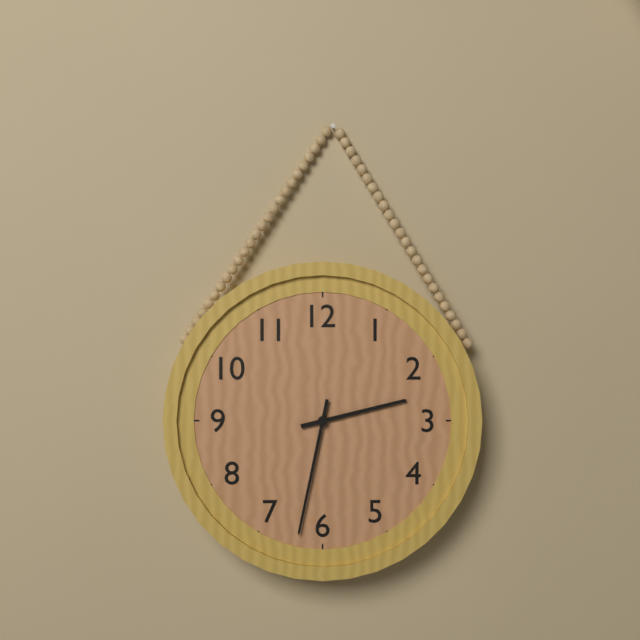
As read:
2,32
